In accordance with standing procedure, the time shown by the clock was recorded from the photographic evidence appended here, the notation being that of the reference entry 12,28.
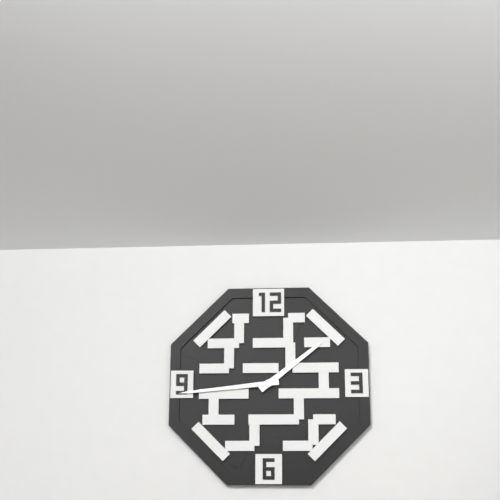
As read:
1,44
